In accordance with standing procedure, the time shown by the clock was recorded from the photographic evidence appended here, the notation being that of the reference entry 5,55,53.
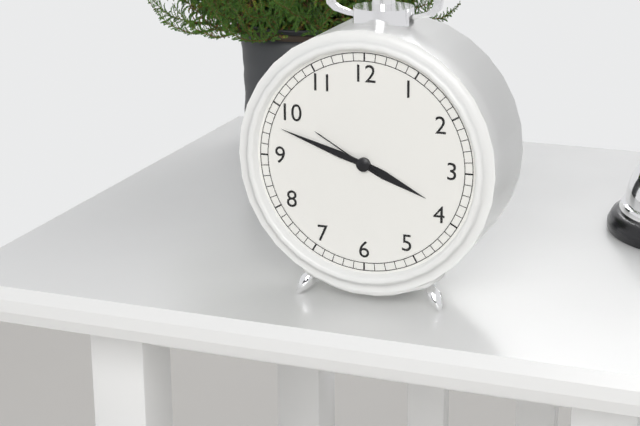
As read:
3,48,50
